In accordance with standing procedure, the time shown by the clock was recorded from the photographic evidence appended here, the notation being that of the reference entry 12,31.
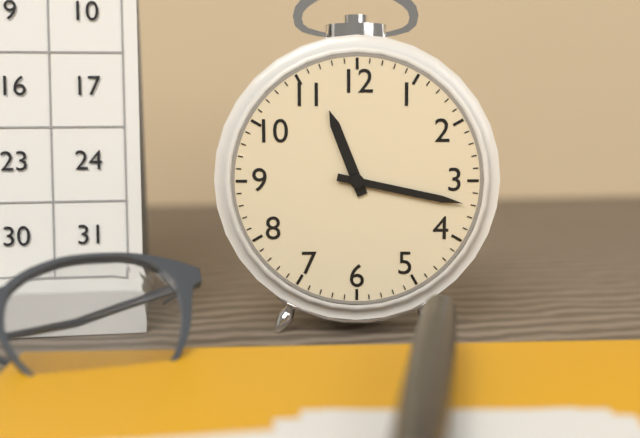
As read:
11,17
